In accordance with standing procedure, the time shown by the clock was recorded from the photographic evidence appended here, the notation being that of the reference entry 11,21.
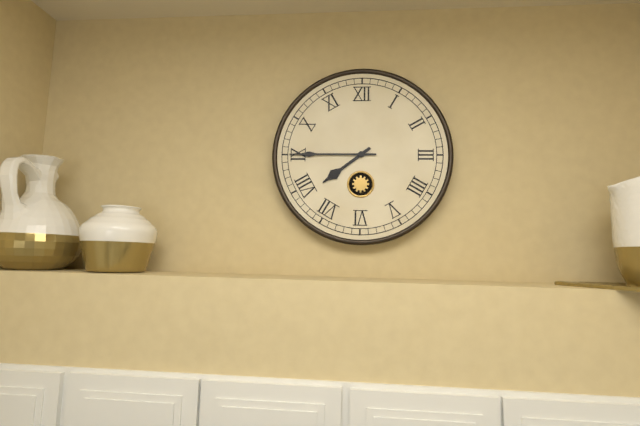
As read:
7,45
